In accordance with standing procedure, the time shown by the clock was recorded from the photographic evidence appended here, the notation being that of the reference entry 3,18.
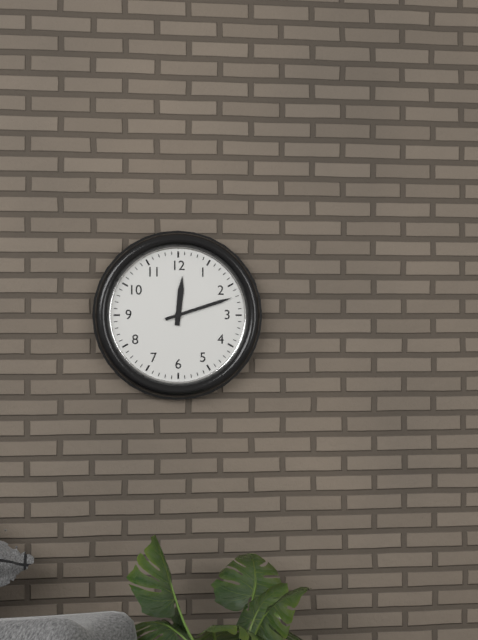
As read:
12,12
